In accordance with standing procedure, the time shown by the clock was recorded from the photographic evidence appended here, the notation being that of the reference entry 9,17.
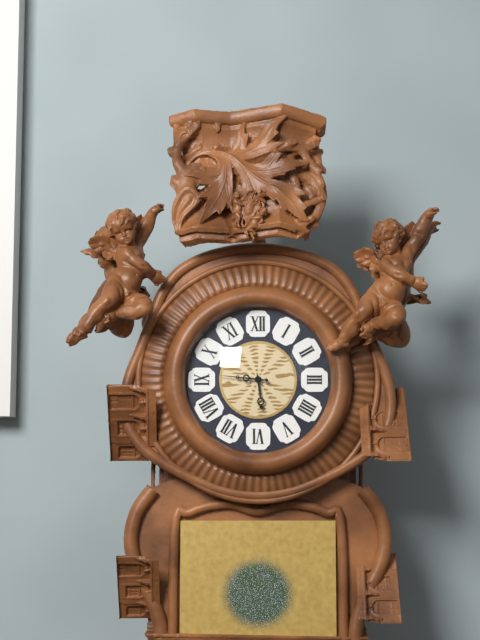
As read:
5,46
